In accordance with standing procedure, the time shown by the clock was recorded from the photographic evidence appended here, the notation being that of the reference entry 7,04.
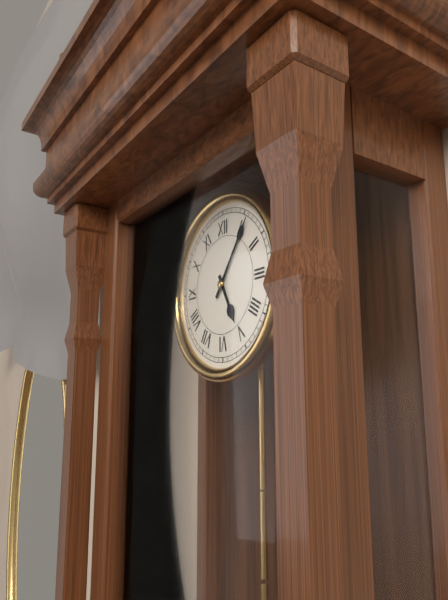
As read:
5,06
